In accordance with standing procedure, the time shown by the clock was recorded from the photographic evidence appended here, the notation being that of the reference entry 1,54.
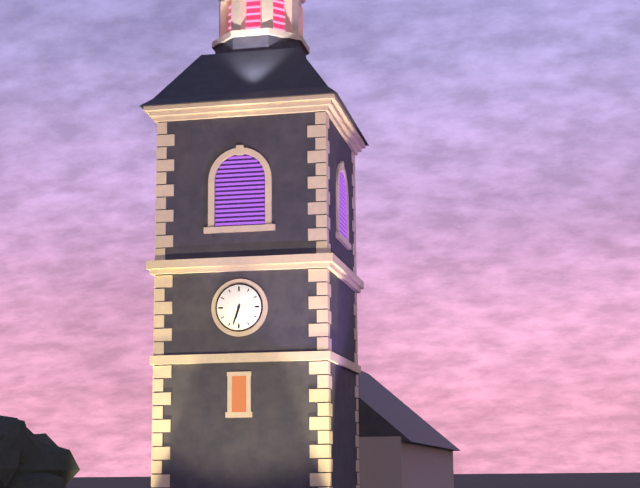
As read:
6,33
